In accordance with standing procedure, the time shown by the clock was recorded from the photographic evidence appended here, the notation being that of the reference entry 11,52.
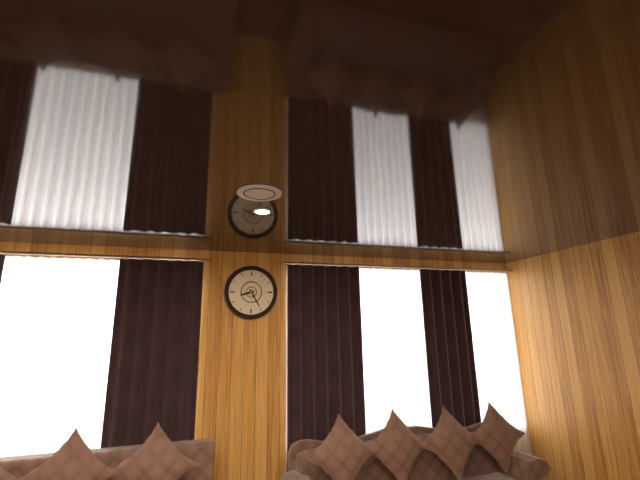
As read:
8,25
